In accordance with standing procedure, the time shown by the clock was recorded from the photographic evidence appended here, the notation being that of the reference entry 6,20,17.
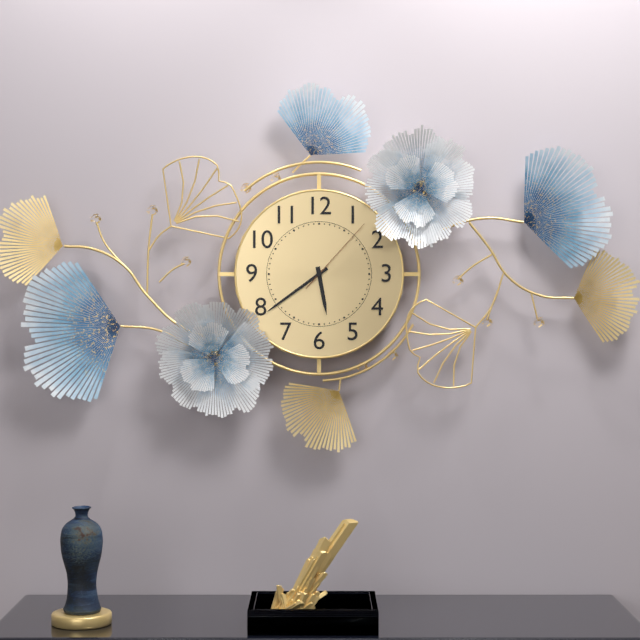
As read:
5,39,07
